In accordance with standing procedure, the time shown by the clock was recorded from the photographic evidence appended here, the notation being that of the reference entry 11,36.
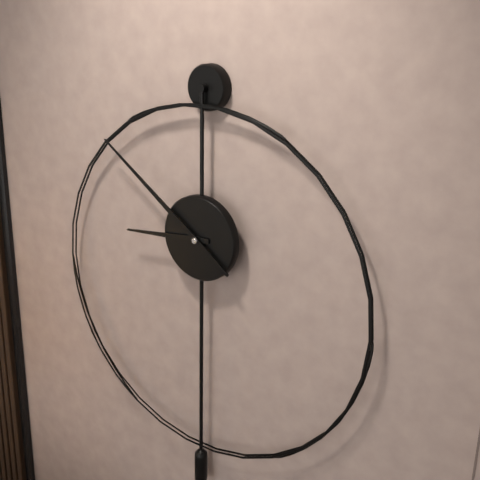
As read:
8,51
